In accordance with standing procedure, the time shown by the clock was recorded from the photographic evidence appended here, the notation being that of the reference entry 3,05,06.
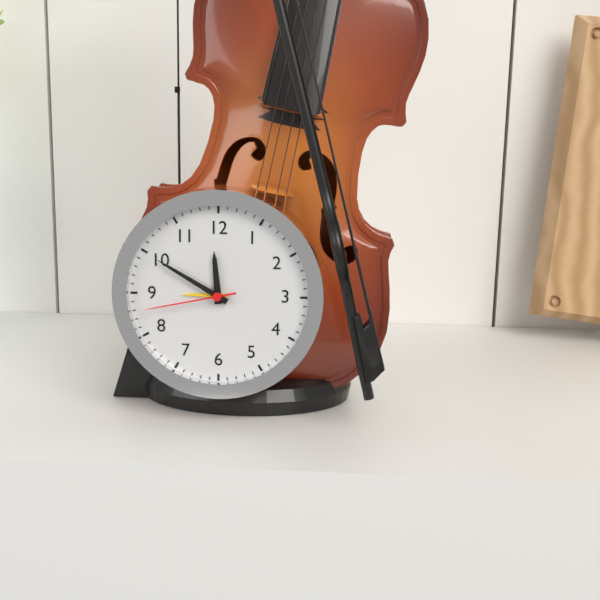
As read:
11,50,43
